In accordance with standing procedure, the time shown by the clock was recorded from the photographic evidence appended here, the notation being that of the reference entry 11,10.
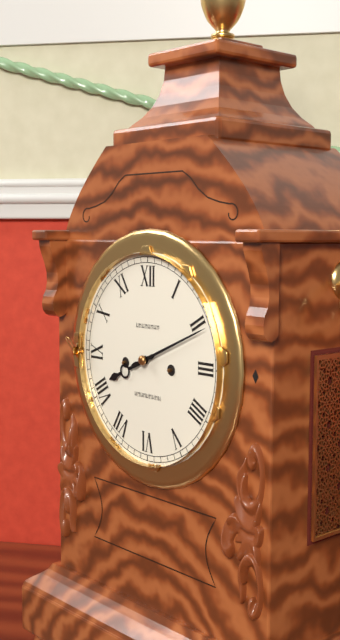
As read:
8,11
